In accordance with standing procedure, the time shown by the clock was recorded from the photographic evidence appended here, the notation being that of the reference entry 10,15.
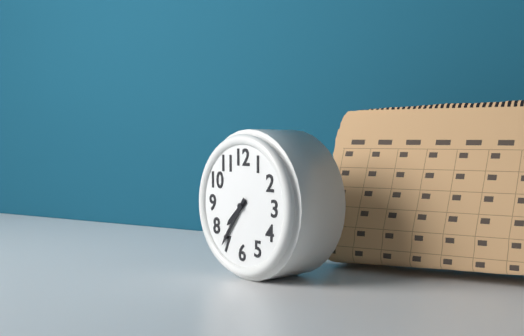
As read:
7,36
